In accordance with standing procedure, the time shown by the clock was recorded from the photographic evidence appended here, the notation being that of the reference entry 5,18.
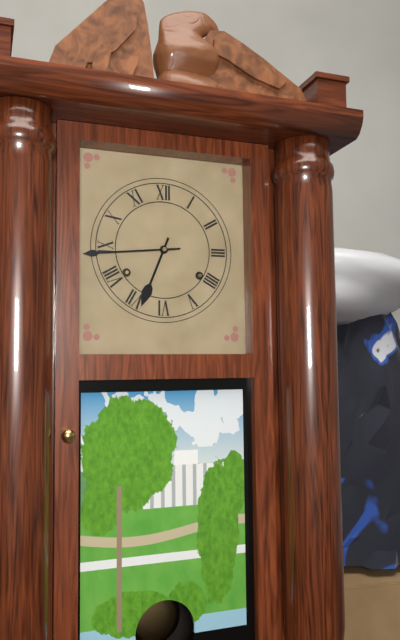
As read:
6,44
